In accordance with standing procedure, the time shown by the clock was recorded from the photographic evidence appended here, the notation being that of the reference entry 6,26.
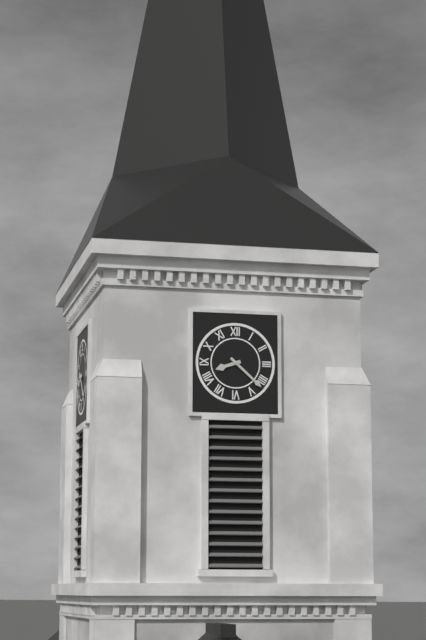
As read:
8,22
